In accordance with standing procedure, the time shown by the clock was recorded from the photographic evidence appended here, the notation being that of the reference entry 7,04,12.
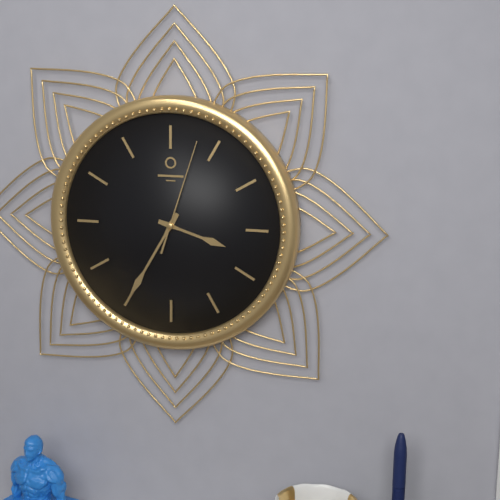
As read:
3,35,03
